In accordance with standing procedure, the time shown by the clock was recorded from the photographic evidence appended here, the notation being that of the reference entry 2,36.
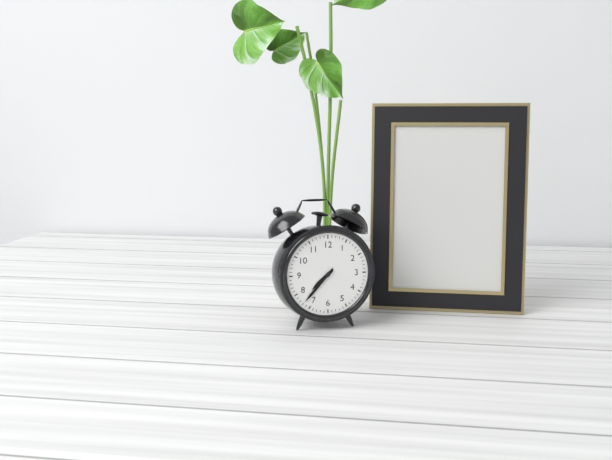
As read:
7,37
